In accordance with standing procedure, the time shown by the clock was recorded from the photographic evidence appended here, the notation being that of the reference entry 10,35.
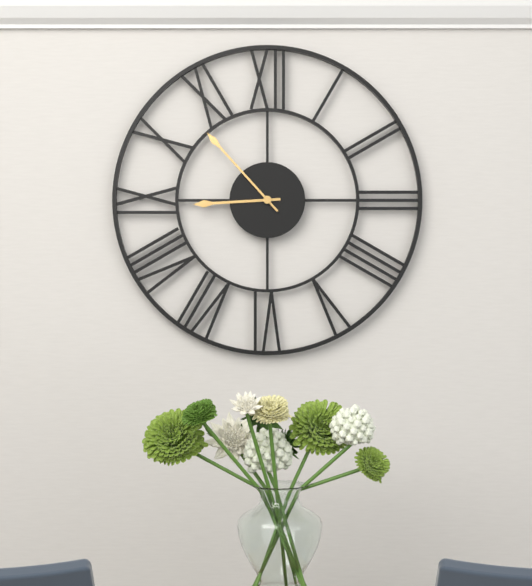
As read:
8,53
